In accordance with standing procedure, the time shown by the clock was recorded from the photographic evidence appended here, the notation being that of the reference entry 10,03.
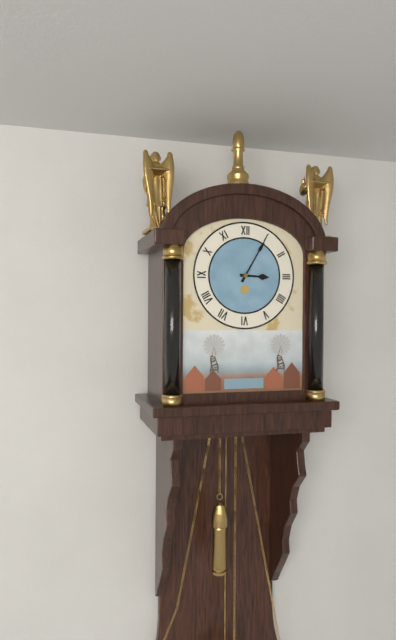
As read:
3,05
